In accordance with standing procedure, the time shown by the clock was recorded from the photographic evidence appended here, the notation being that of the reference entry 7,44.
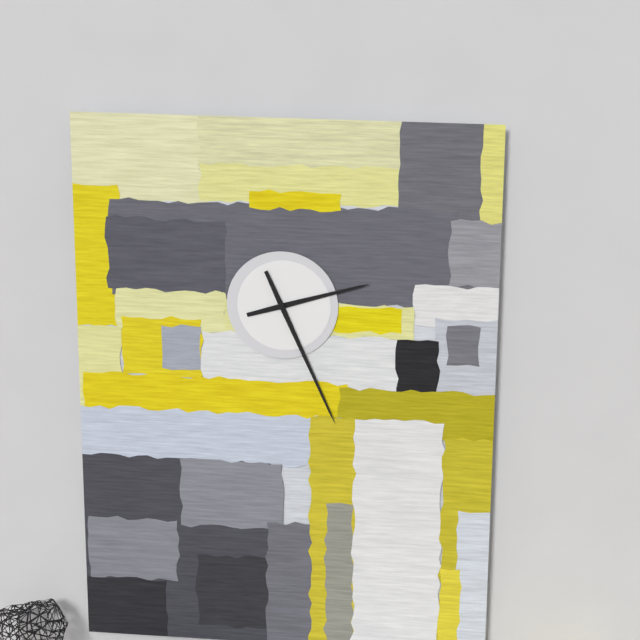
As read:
2,26
